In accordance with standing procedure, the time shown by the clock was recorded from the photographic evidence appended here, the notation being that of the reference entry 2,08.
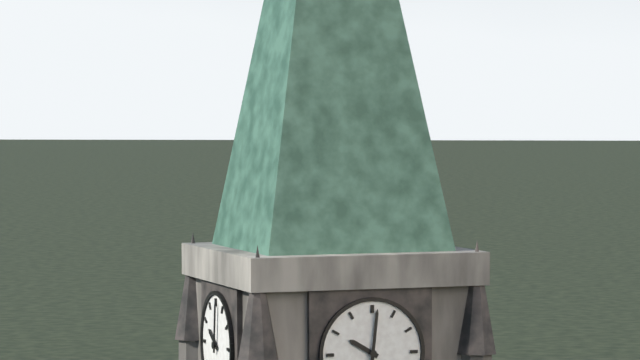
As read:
10,01
